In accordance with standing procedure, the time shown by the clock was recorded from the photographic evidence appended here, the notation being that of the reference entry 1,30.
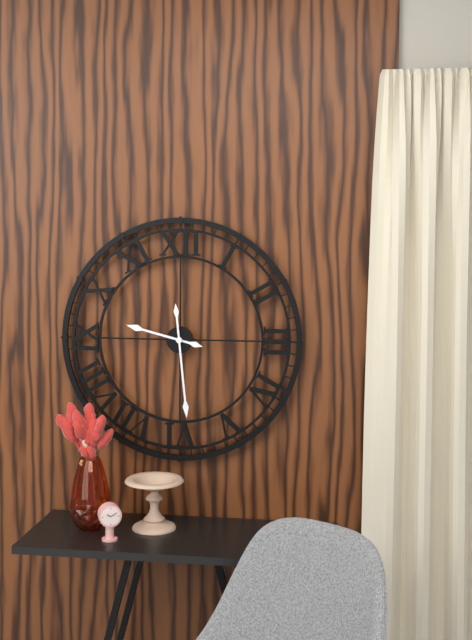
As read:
9,29
